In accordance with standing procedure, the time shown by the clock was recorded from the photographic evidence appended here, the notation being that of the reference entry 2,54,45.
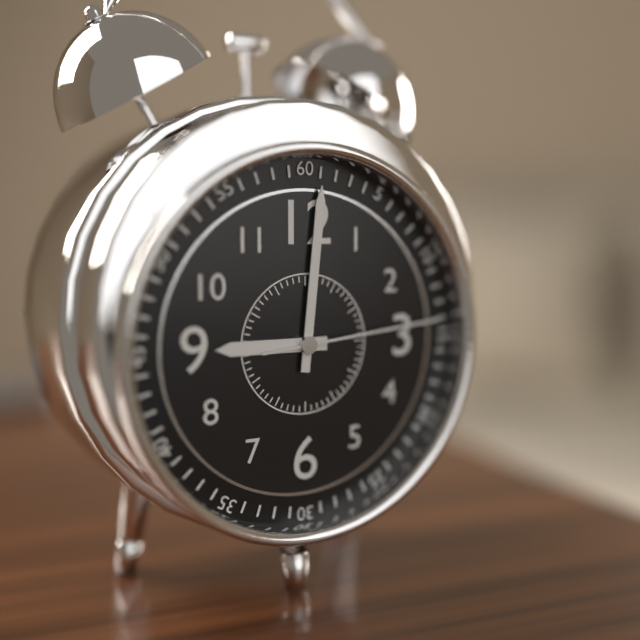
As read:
9,01,14
